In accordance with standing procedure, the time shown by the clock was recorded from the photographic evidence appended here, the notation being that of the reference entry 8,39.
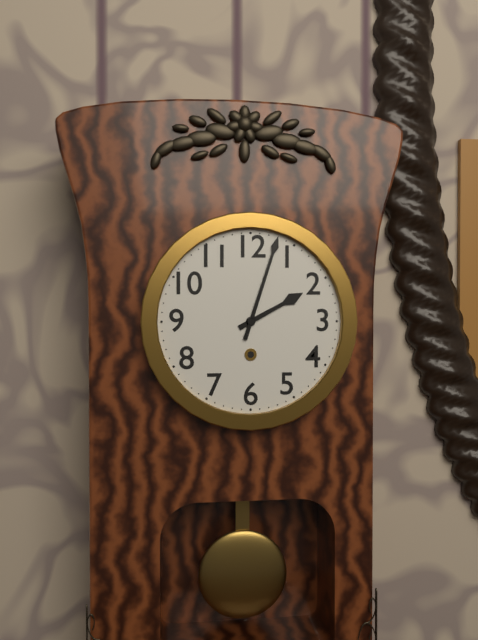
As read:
2,03
